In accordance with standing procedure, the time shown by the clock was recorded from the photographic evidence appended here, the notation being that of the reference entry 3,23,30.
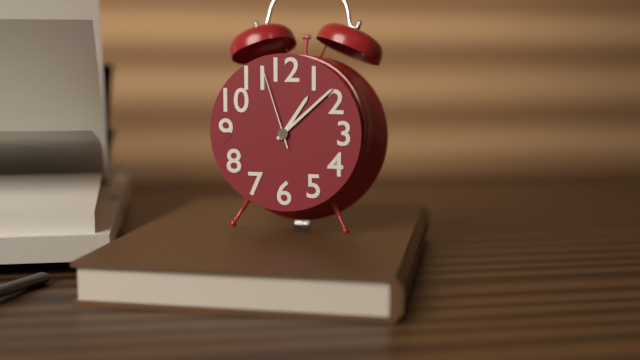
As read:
1,08,57
